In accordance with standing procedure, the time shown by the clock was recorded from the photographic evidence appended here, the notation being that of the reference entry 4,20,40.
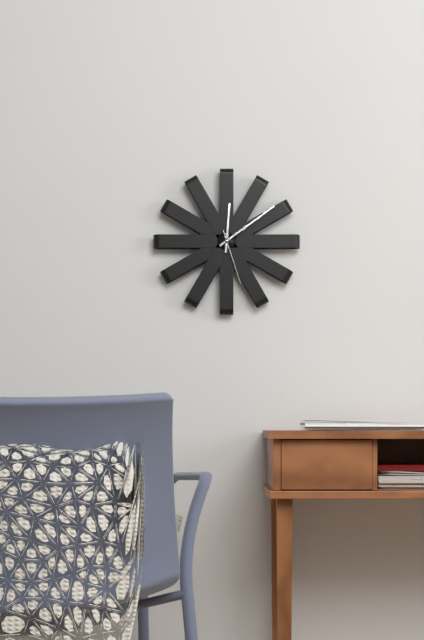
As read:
12,09,27
